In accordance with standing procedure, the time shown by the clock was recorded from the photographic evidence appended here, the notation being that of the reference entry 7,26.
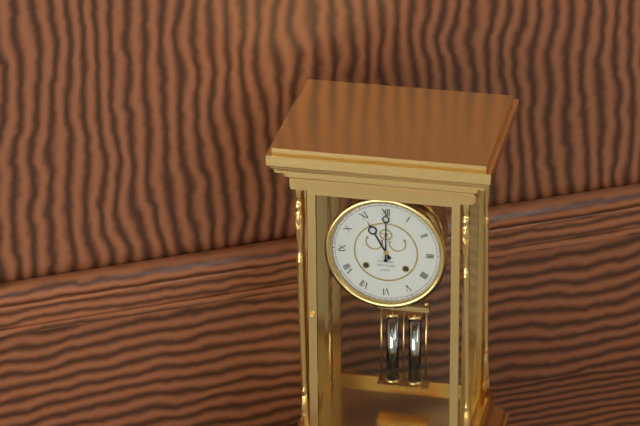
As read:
11,00
